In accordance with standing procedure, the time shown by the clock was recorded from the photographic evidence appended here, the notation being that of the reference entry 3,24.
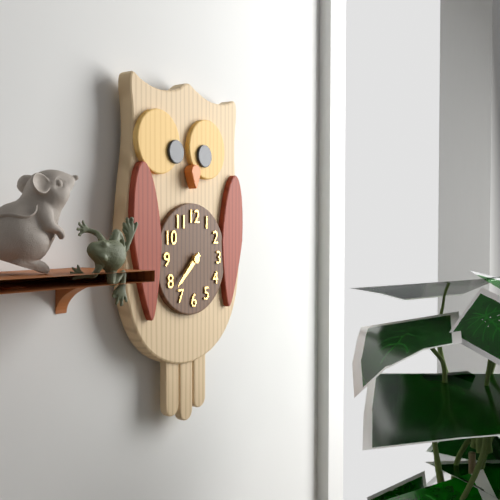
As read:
7,38
